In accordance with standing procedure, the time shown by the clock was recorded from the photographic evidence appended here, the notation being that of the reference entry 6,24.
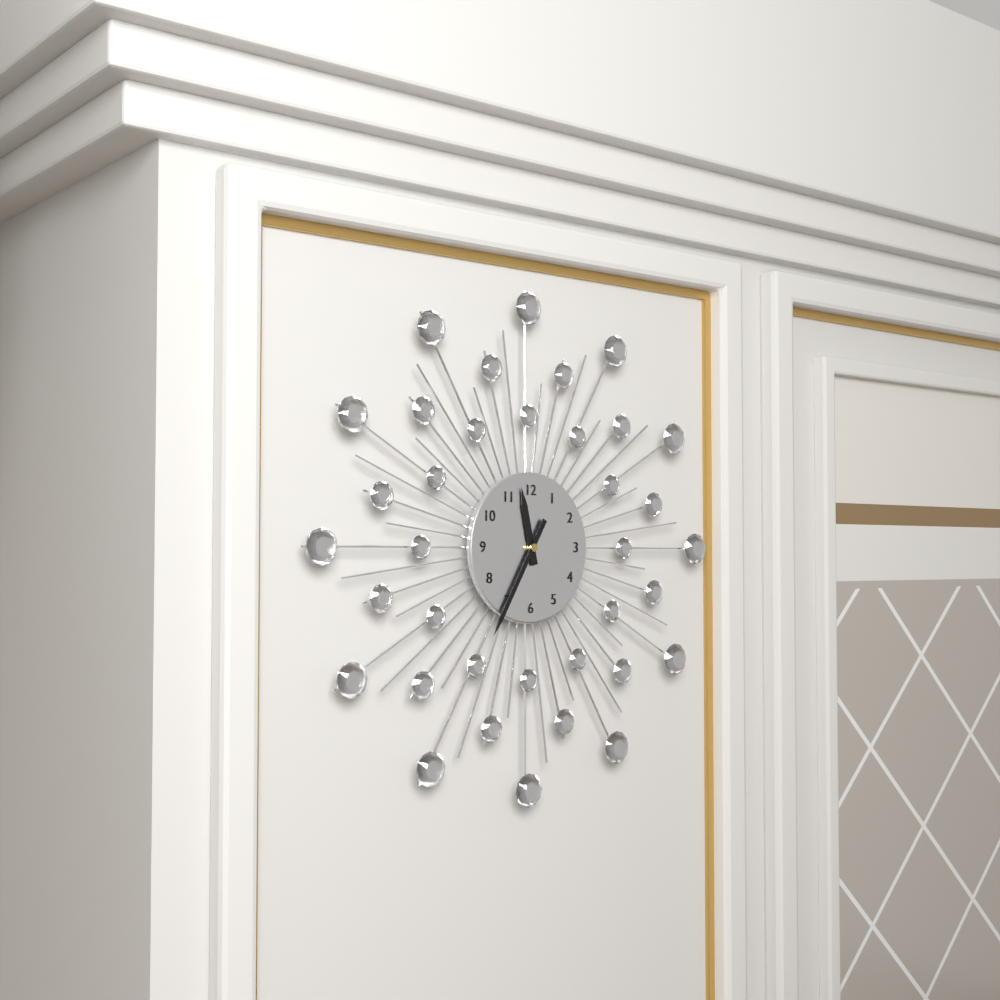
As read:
11,35
